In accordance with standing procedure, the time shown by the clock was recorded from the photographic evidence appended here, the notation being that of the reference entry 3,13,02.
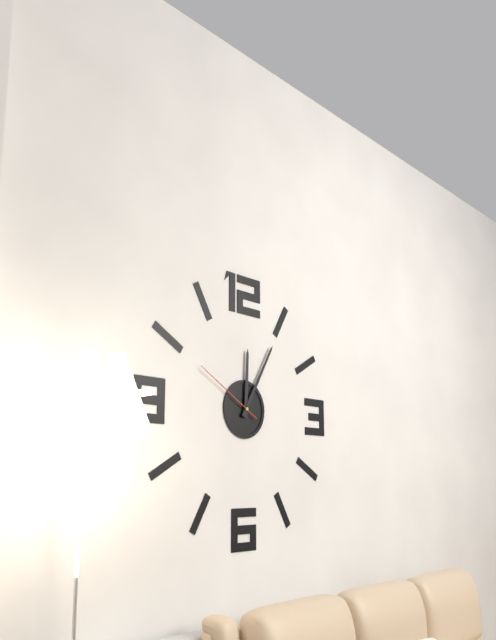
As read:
12,05,50
